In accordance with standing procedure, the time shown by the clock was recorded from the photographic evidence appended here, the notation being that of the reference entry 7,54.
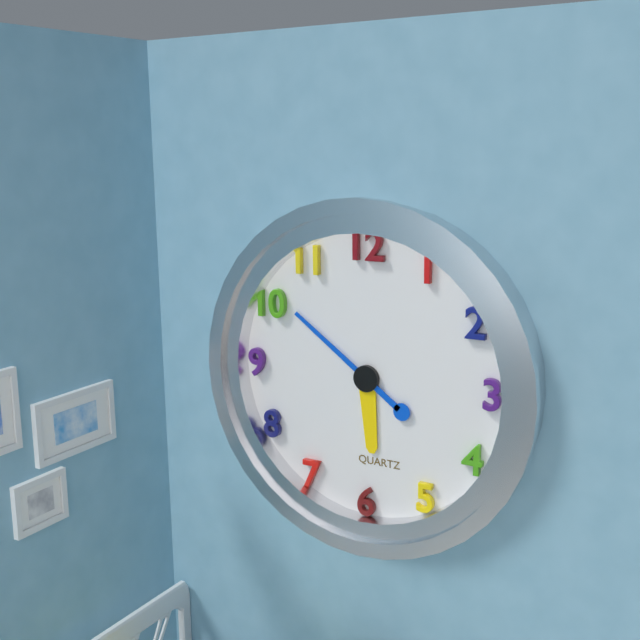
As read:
5,51
